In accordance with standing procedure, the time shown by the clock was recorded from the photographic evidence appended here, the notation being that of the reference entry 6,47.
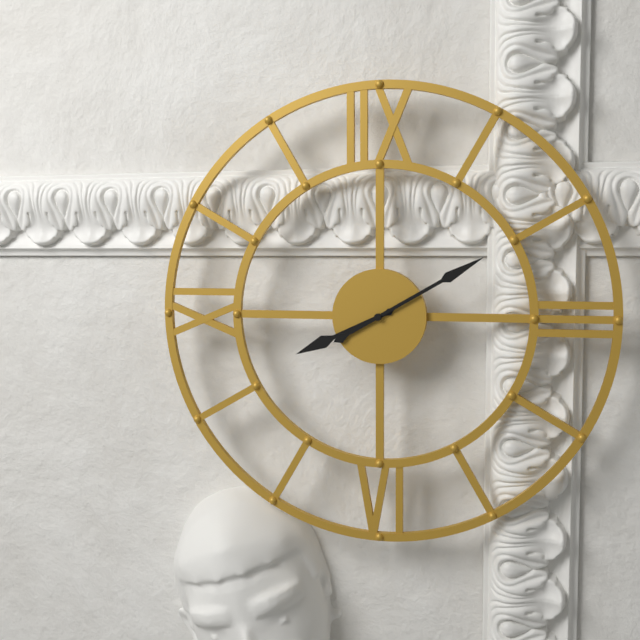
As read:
8,10
